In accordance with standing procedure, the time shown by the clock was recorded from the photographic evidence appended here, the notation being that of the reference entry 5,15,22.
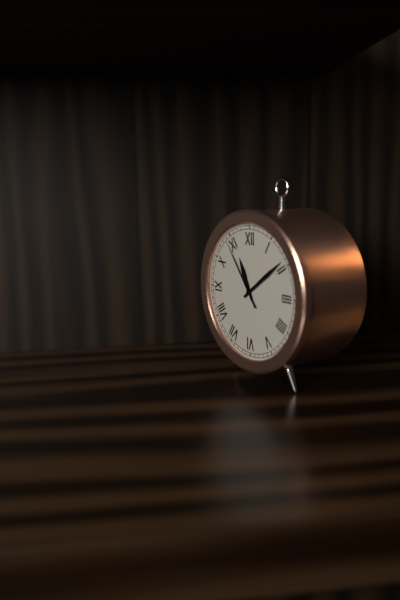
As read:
11,09,54
